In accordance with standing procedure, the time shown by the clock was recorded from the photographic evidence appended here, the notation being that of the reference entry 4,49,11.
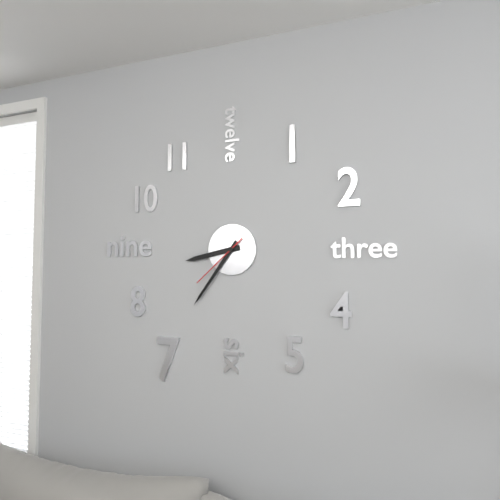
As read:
8,36,38
